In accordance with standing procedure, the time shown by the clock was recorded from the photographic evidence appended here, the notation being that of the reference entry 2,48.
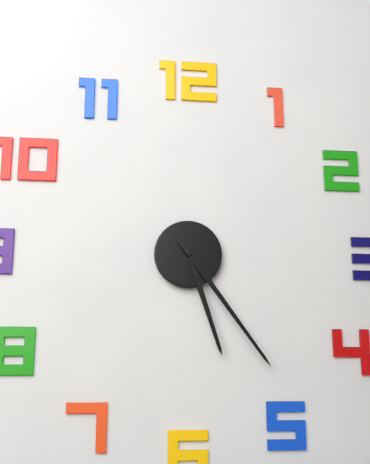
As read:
5,24
